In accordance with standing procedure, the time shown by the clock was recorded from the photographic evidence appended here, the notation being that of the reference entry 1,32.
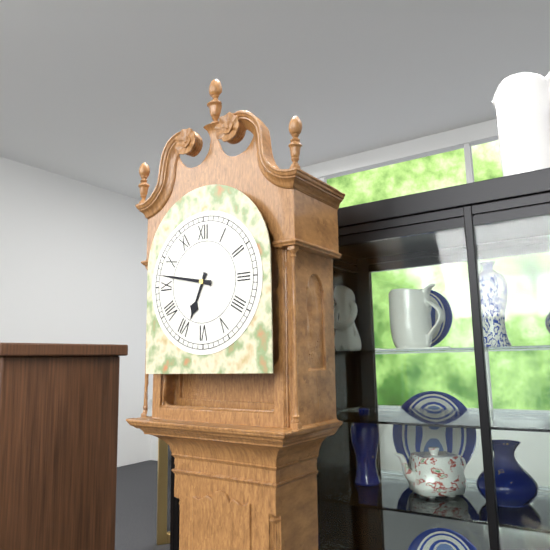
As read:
6,47
